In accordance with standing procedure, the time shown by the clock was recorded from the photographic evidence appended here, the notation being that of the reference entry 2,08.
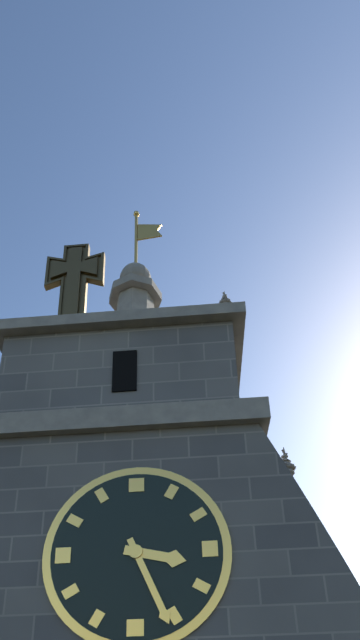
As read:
3,26
